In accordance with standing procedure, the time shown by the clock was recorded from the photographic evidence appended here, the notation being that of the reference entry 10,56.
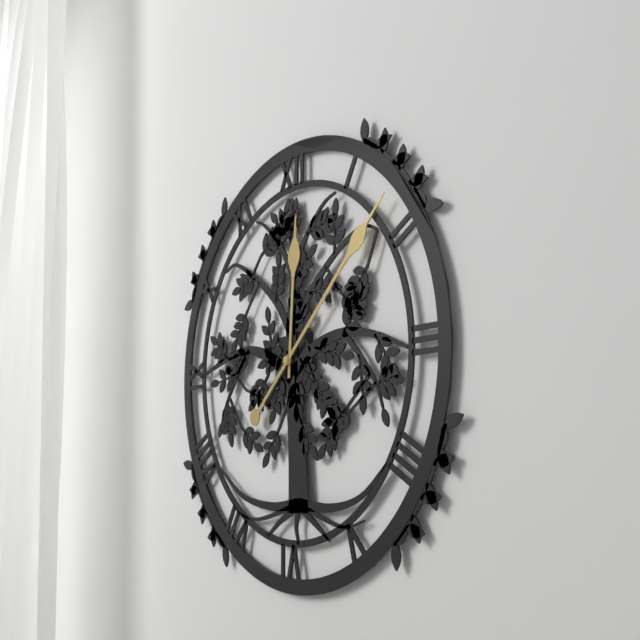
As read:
12,08
